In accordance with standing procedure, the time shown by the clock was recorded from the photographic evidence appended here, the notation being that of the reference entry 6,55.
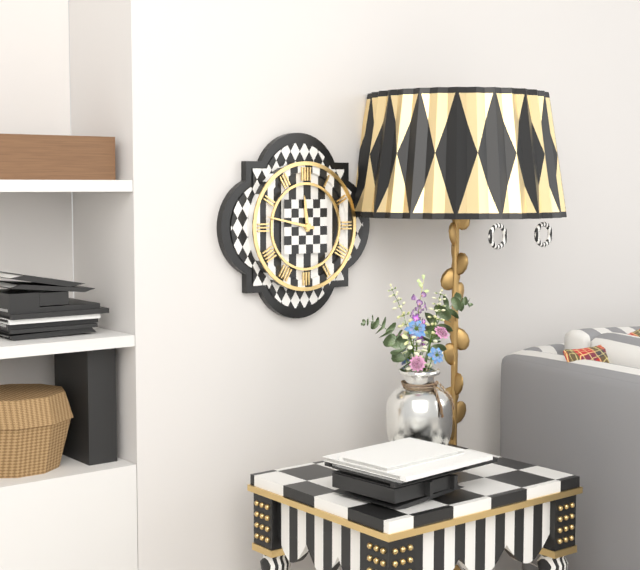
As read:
11,47
